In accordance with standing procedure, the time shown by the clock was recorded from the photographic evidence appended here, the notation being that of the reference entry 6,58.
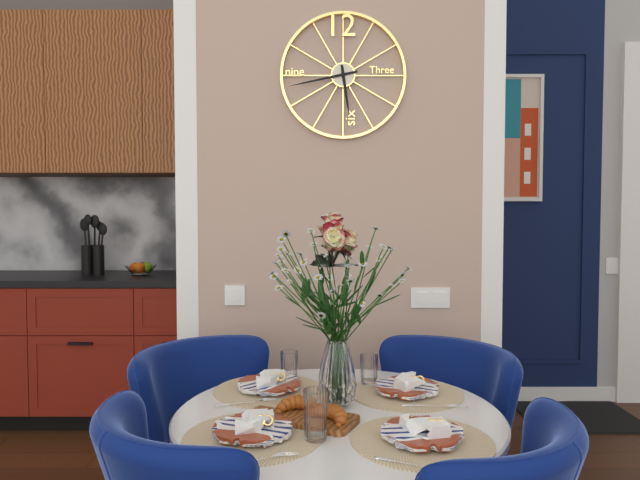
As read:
5,43
